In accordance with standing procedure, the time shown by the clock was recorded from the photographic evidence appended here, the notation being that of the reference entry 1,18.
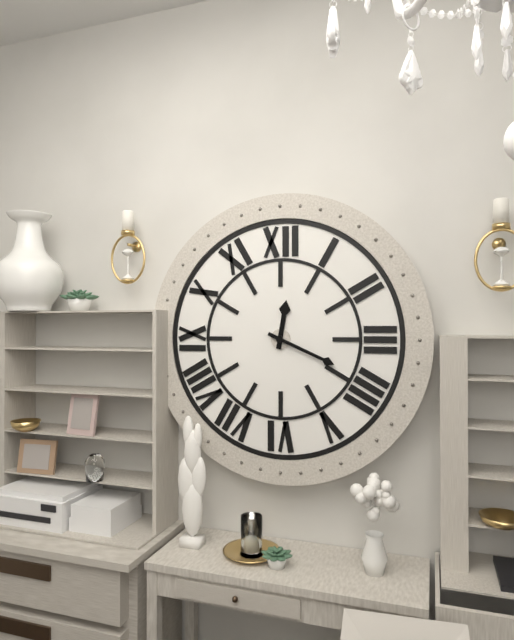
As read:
12,19
